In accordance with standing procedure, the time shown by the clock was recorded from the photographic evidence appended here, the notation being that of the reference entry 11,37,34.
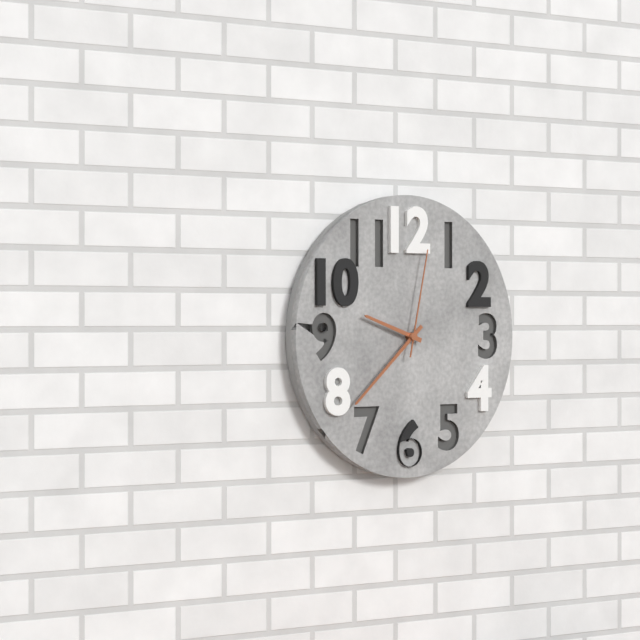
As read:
9,38,02
